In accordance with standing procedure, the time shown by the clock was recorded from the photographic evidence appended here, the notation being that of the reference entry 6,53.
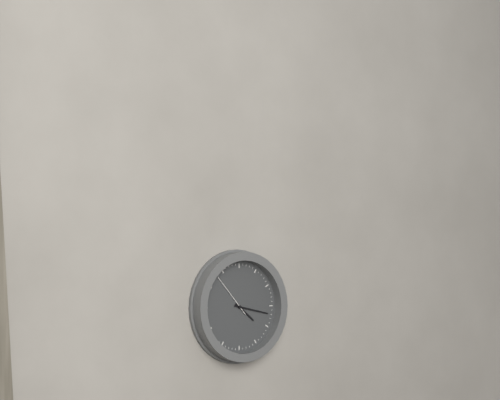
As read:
4,17
